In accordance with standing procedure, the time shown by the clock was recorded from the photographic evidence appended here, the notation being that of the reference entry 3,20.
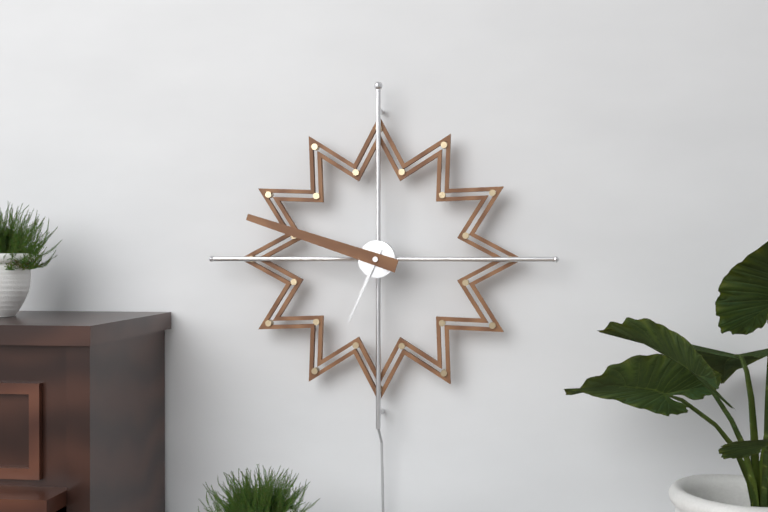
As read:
6,48
